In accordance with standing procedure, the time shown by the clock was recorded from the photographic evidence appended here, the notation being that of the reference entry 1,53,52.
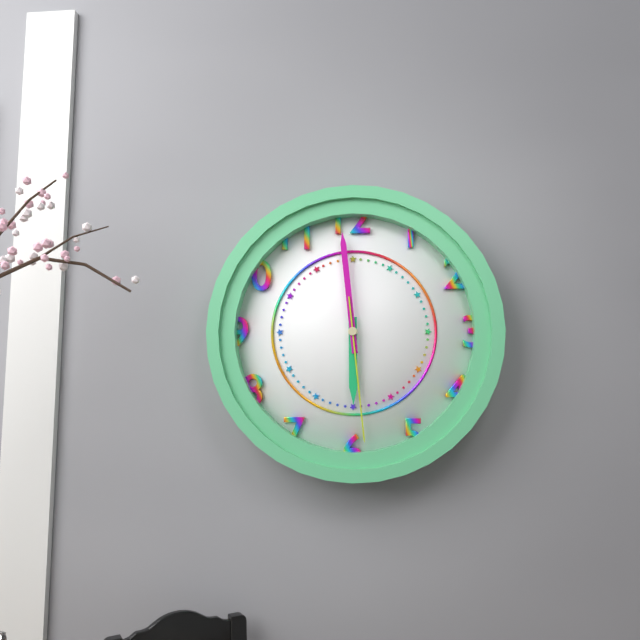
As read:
5,59,29
